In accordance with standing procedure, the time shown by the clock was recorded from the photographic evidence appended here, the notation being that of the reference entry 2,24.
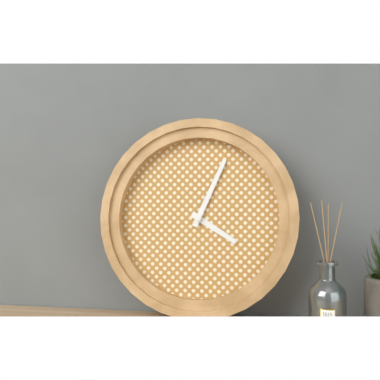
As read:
4,04
